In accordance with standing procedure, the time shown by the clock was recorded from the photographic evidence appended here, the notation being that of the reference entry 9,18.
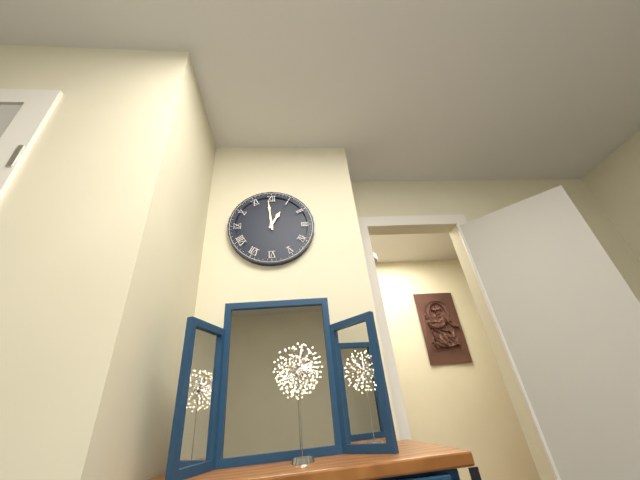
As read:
12,59
